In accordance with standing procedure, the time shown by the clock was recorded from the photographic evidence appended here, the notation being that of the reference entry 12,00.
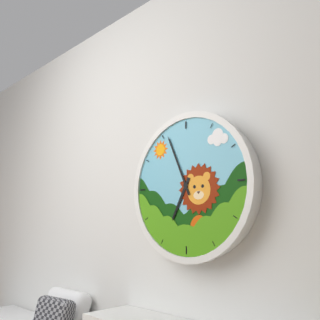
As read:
6,56
